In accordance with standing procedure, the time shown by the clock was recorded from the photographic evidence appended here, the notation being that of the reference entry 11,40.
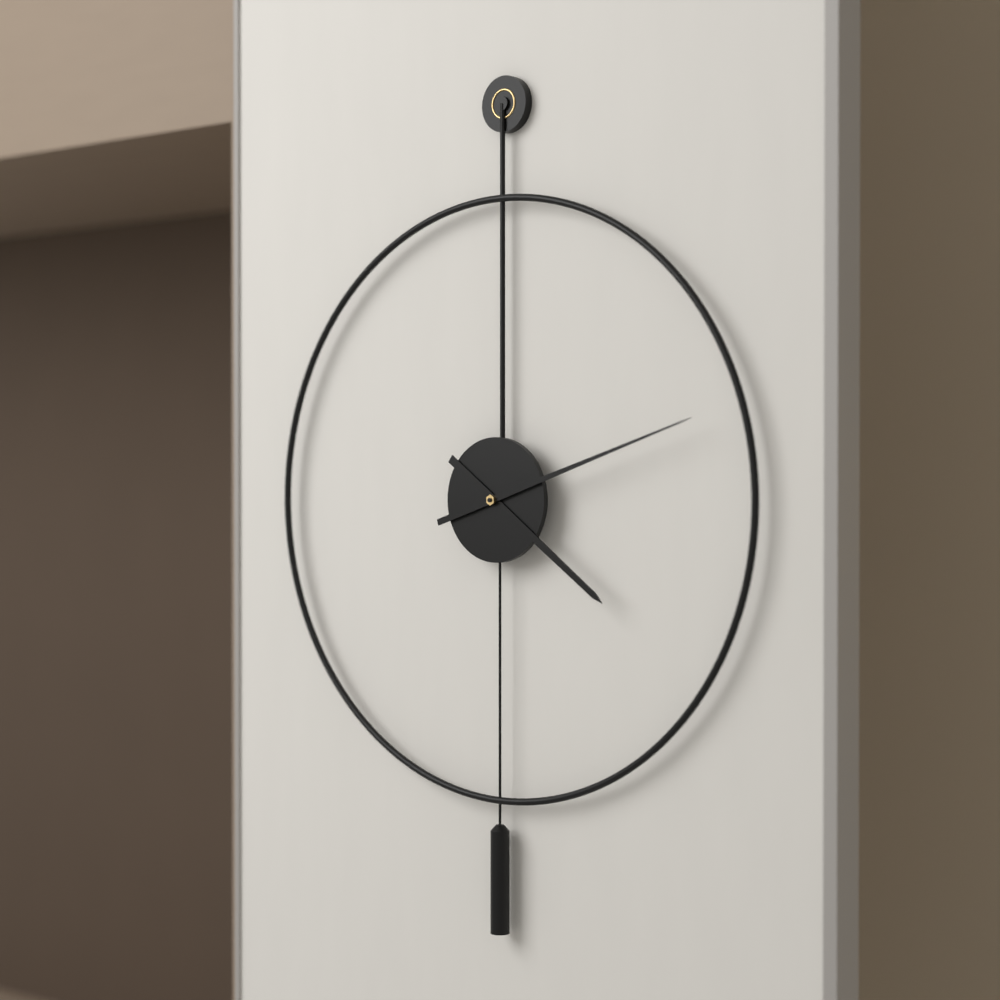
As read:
4,12
